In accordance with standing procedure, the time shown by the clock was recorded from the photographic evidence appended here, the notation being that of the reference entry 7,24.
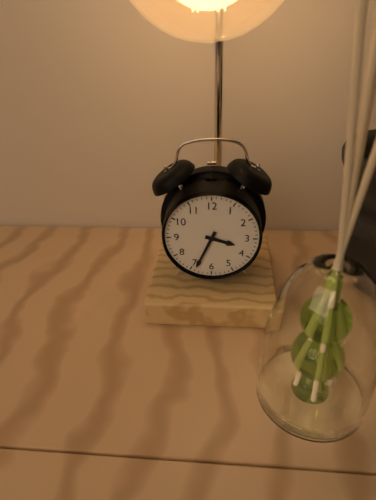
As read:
3,34
